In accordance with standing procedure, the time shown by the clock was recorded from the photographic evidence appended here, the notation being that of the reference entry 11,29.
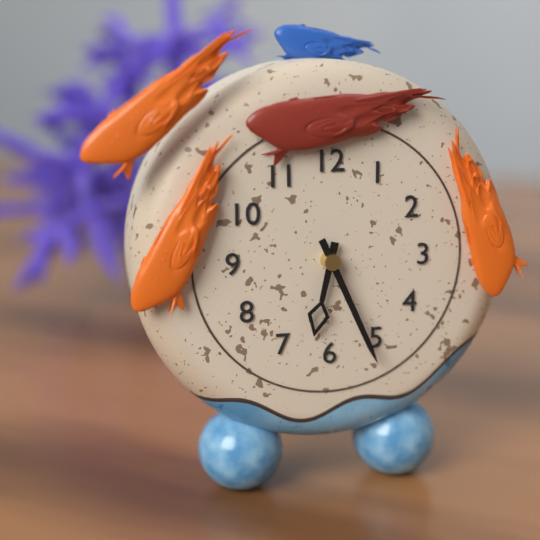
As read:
6,26
